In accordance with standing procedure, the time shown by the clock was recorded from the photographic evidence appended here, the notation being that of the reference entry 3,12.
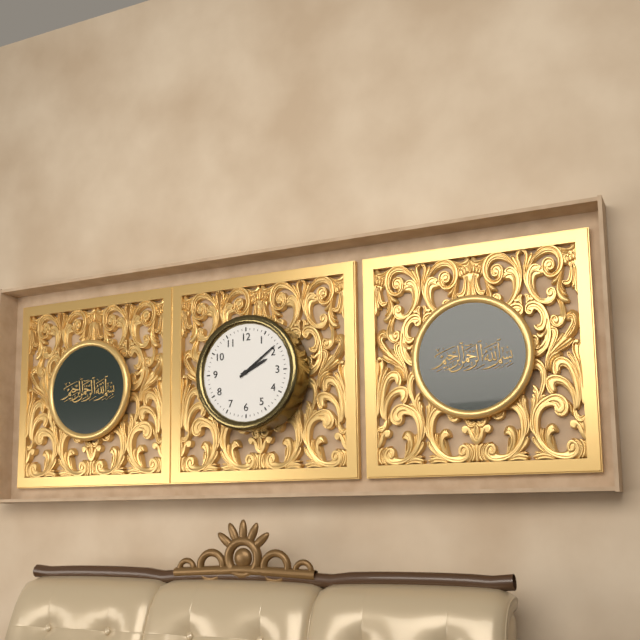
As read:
2,09
